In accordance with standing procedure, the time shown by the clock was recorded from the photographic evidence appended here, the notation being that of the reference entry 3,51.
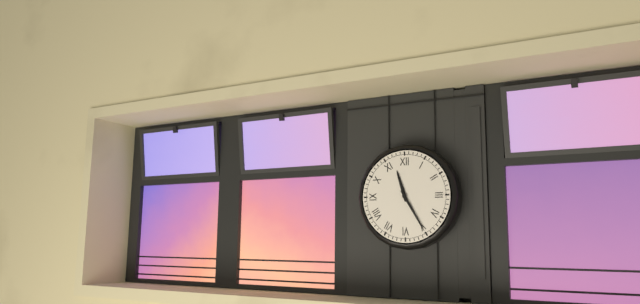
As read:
11,25
